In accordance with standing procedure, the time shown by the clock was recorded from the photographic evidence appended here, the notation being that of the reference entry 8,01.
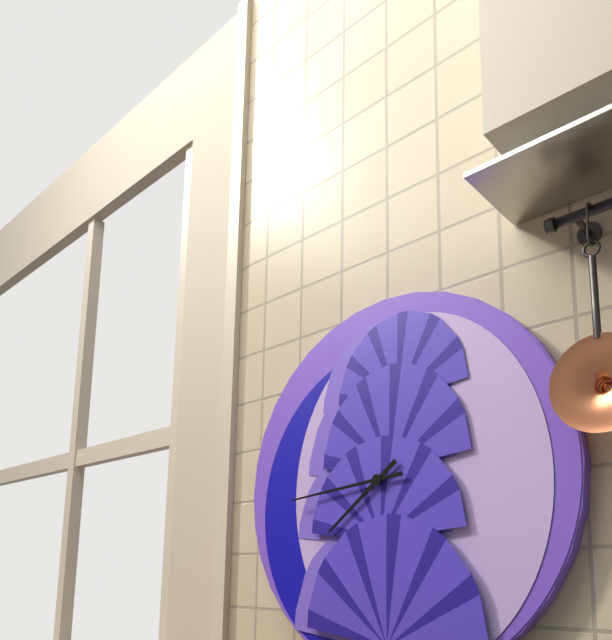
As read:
7,44
